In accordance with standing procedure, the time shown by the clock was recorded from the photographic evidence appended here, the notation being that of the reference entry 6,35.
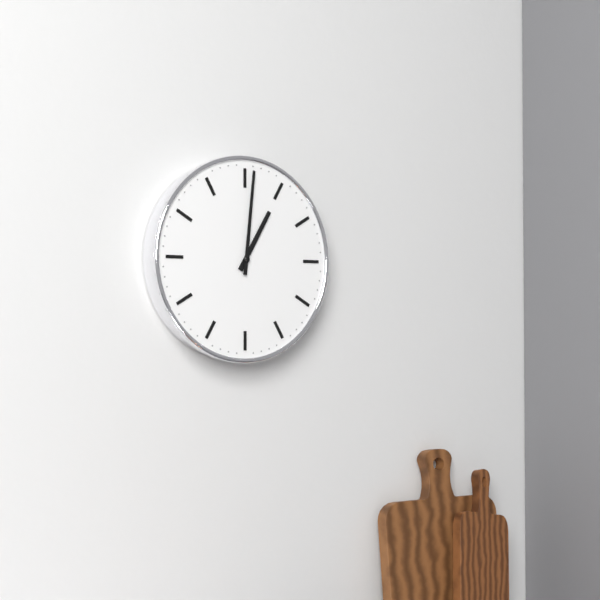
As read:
1,01
